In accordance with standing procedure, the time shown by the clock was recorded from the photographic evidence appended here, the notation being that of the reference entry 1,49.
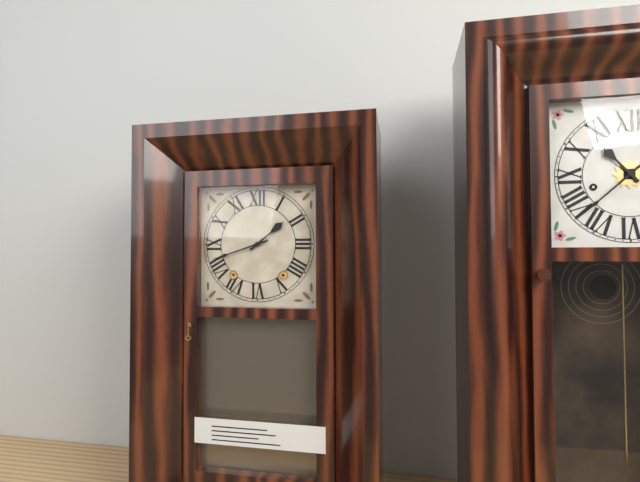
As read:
1,42
